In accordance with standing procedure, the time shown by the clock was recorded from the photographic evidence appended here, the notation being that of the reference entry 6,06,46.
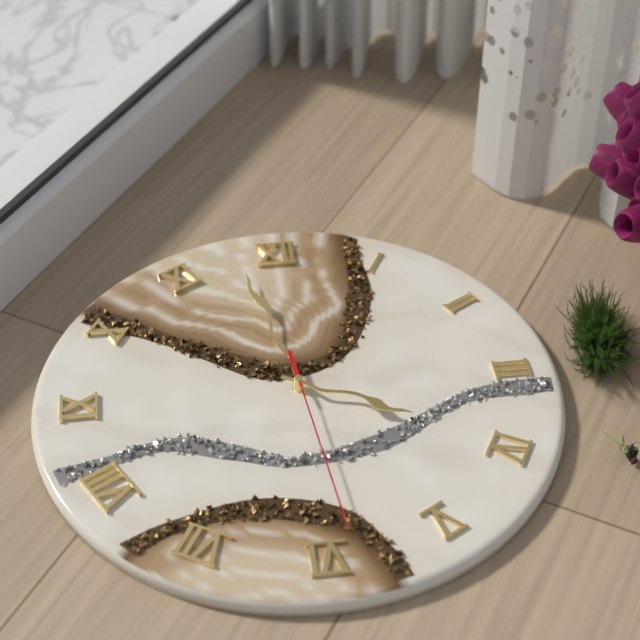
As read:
3,58,29
